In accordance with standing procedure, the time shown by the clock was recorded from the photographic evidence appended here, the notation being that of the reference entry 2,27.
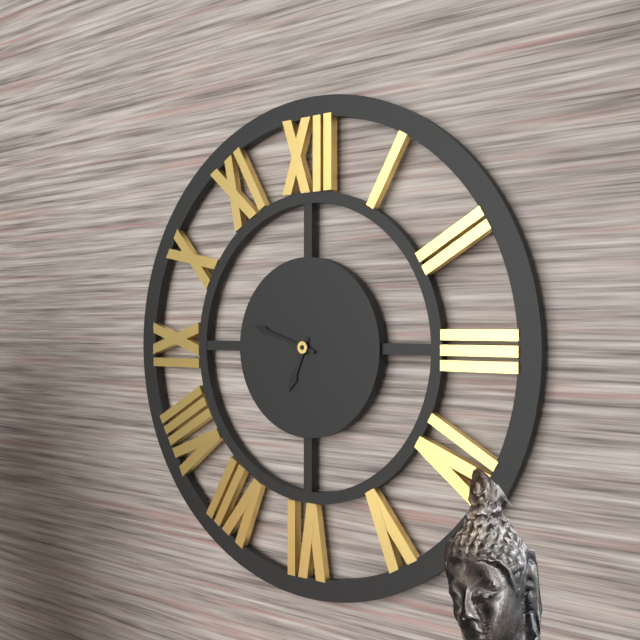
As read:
6,48
